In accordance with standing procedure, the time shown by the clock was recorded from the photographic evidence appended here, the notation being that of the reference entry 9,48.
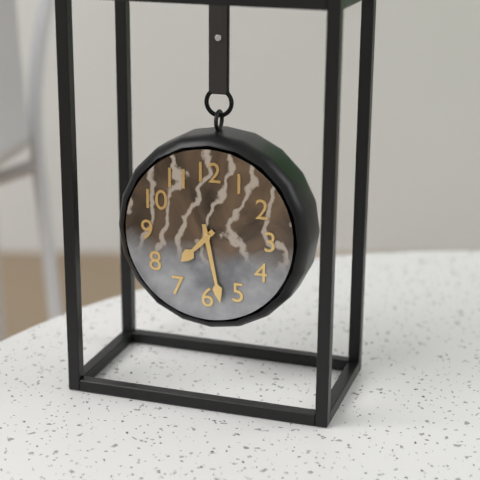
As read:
7,28
